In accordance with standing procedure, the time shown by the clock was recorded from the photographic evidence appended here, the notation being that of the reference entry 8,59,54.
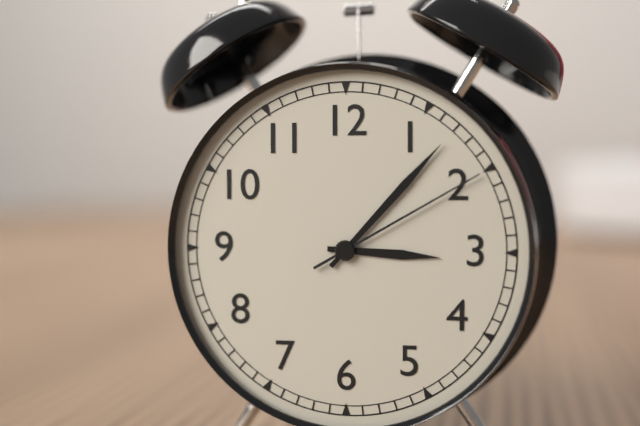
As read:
3,07,10
